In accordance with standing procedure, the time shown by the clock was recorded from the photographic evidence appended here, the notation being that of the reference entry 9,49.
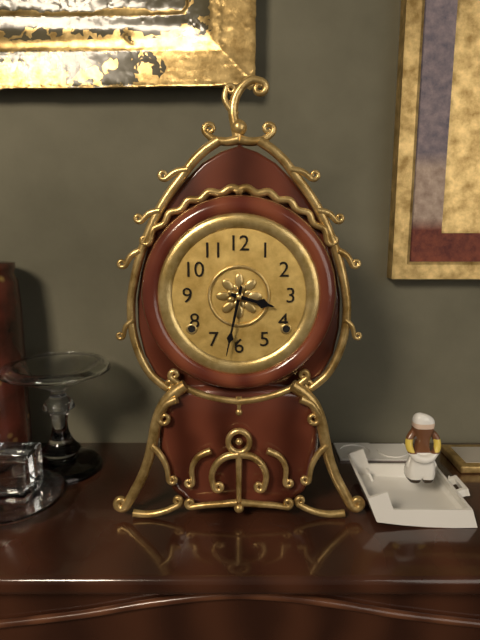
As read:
3,32
